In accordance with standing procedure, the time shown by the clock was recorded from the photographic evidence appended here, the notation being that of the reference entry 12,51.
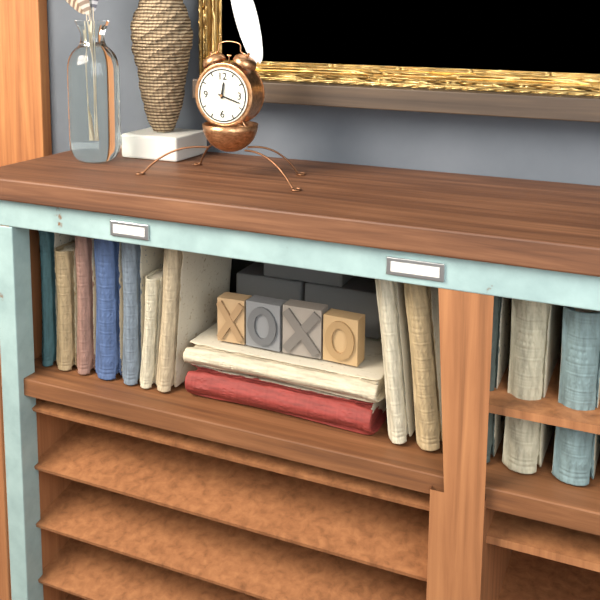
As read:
12,18
